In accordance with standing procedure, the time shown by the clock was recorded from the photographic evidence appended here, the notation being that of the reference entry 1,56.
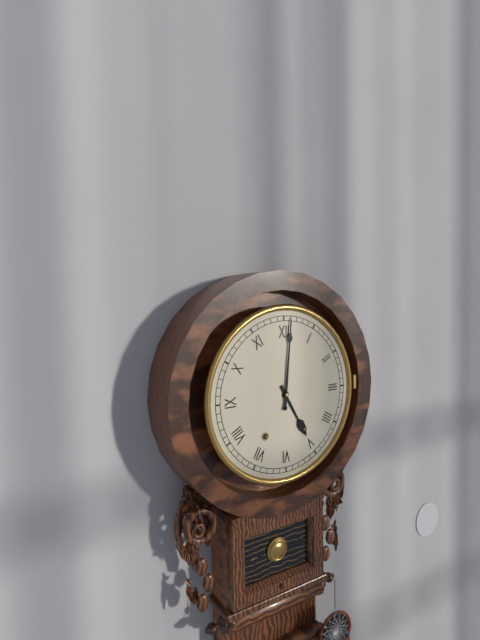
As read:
5,01
